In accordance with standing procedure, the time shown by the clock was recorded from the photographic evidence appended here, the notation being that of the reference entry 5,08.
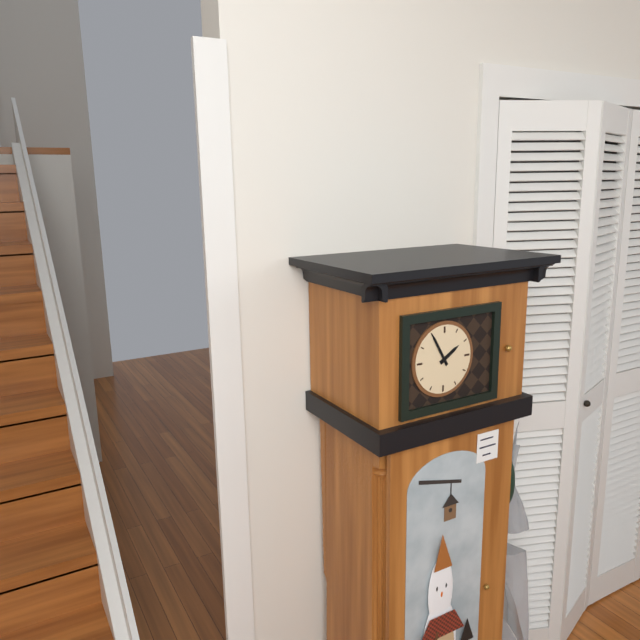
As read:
1,55
